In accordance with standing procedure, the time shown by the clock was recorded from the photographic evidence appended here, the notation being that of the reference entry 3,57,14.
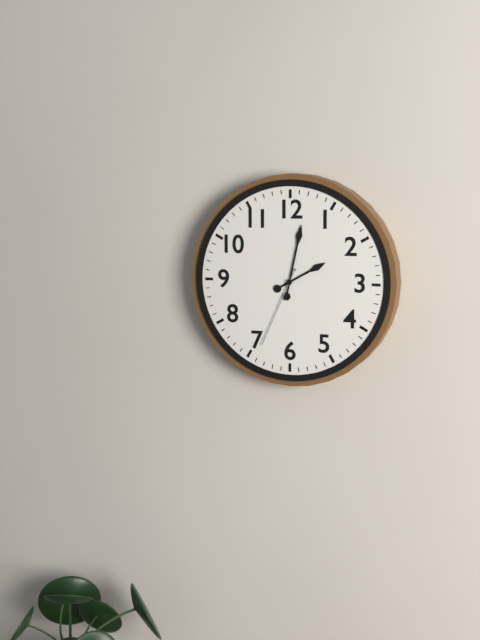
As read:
2,02,34
